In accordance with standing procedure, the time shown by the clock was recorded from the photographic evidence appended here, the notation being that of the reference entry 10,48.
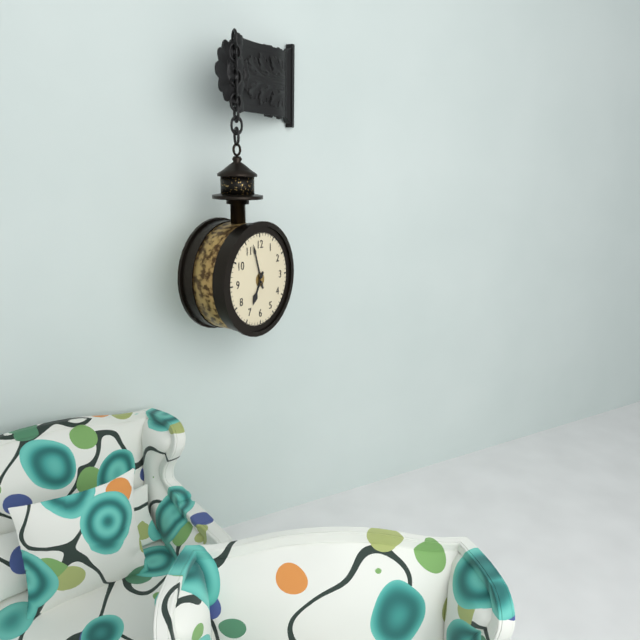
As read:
6,57
